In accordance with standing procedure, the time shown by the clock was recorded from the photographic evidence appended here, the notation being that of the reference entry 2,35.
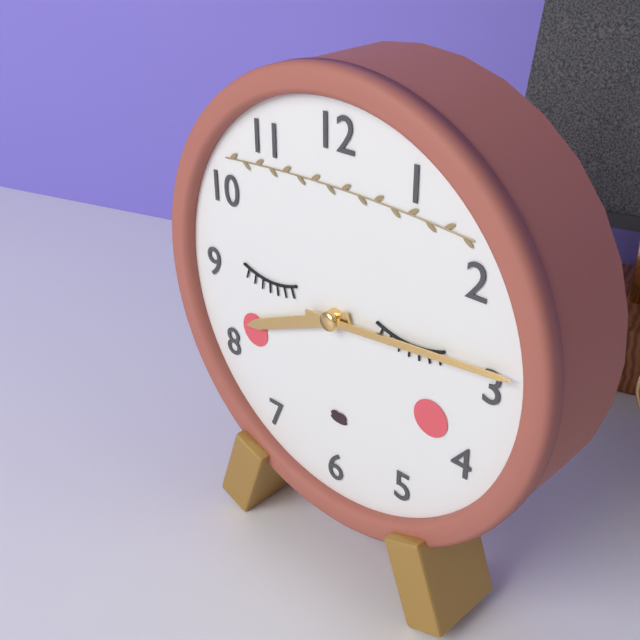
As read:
8,14
